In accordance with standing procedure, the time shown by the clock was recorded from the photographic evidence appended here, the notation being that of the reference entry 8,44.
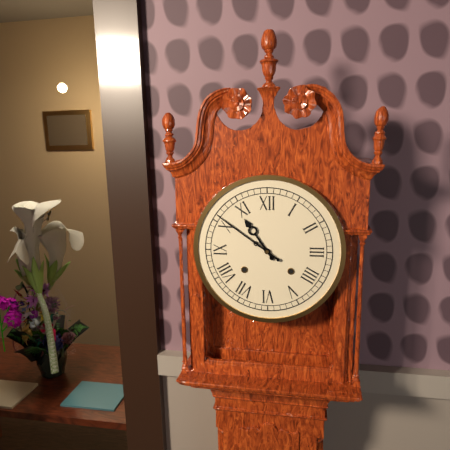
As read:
10,51
